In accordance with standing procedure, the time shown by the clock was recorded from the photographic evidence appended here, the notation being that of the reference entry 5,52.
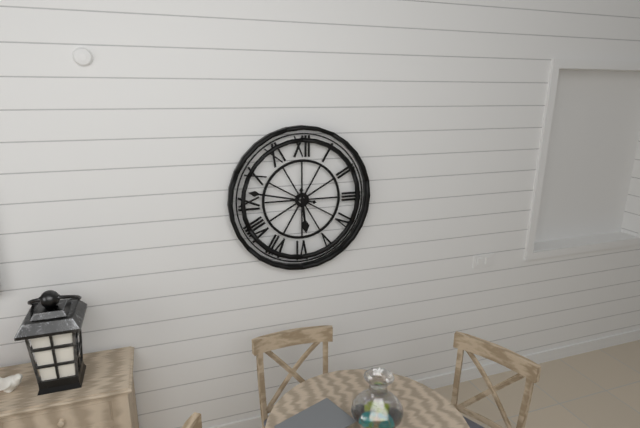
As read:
5,47
